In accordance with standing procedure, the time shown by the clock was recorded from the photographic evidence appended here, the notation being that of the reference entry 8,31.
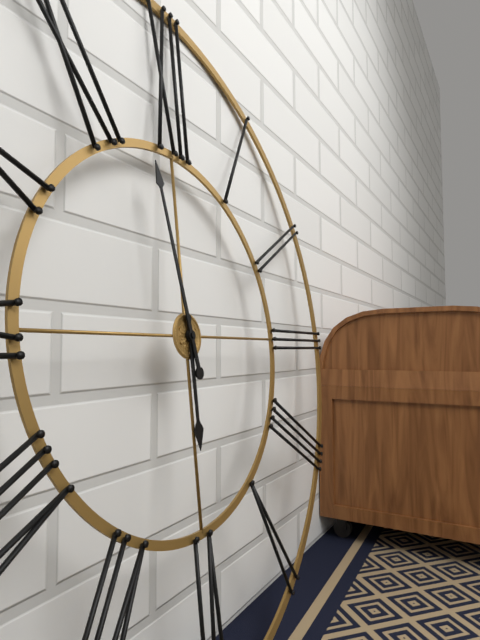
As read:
5,58
